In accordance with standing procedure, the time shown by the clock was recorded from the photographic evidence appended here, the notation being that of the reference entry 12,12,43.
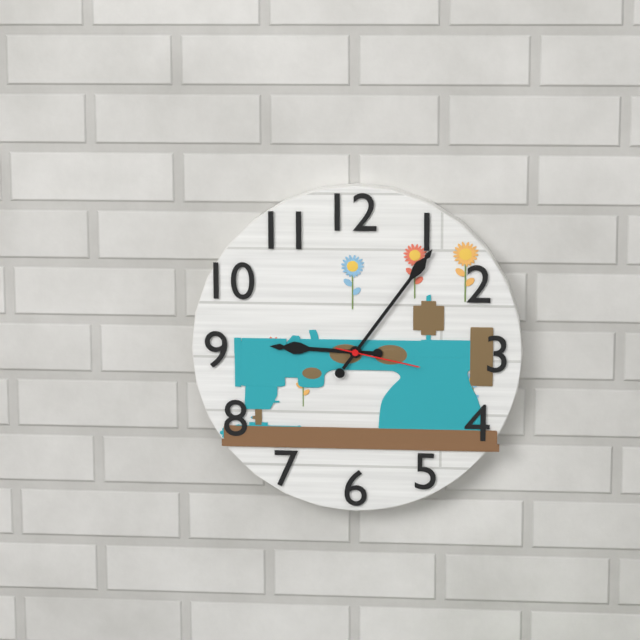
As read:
9,06,17
